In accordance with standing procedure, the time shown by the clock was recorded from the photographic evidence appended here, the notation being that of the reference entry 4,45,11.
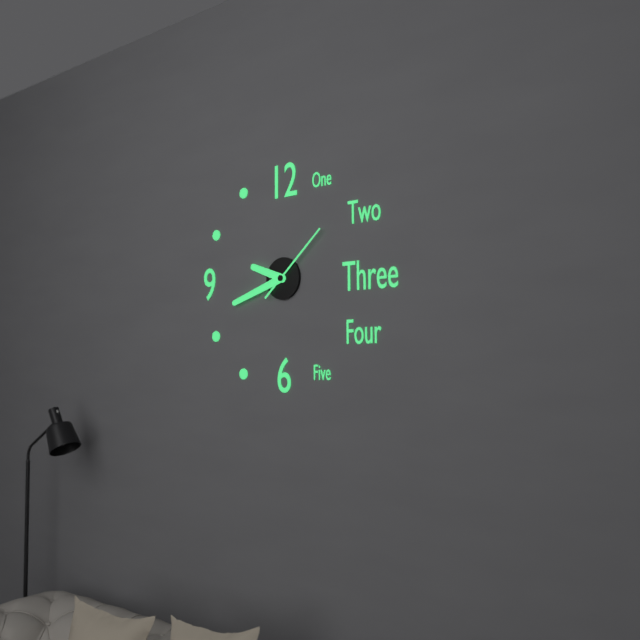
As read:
9,42,08
